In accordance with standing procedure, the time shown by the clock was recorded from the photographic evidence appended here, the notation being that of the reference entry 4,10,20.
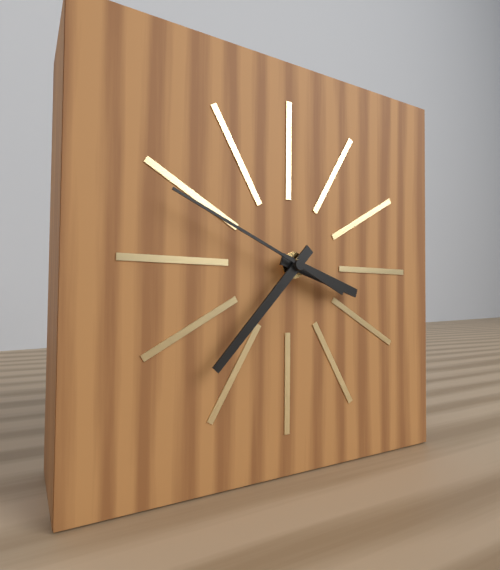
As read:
3,37,49
